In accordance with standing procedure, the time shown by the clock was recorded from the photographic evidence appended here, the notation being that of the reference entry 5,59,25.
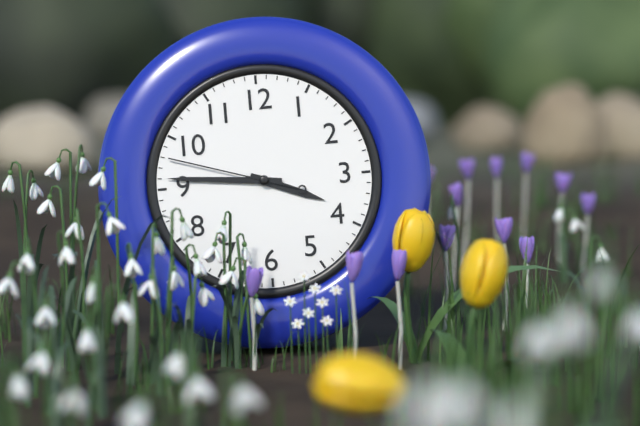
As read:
3,46,48
